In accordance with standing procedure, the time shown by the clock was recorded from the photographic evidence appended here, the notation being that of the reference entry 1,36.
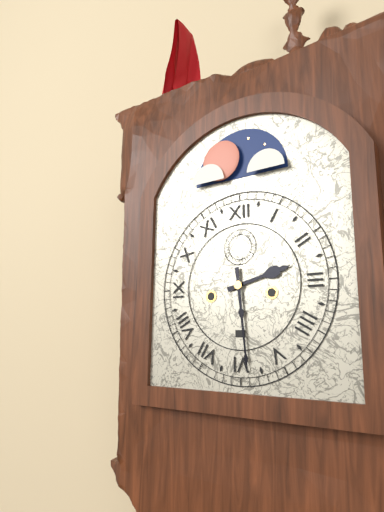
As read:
2,29
